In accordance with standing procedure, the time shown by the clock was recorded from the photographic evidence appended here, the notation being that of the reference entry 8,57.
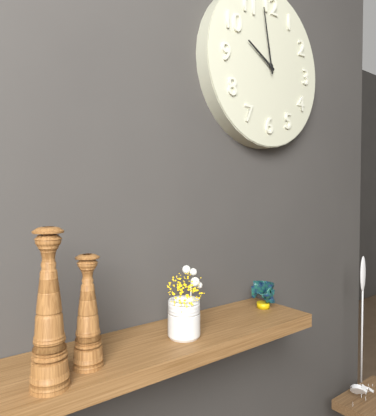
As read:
9,58
